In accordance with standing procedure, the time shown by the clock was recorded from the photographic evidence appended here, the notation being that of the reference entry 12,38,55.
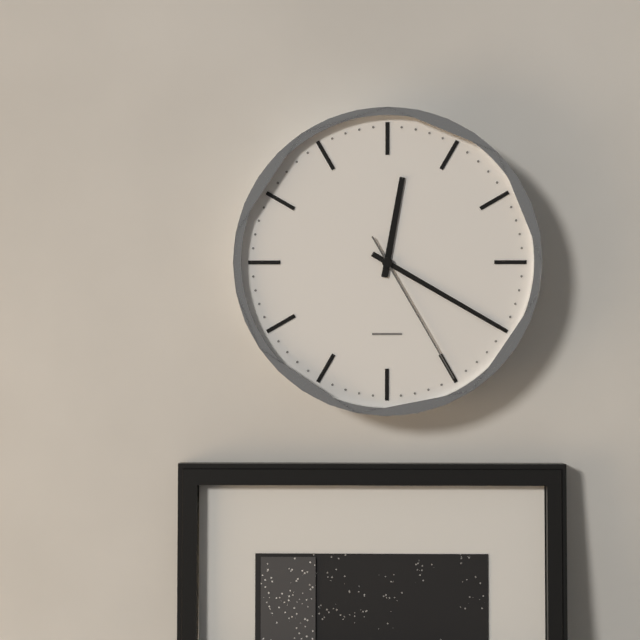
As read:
12,20,25
